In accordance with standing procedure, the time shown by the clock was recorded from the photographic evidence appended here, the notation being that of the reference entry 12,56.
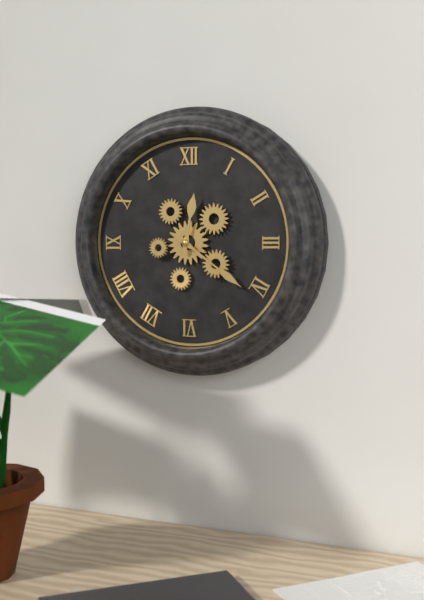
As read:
12,21
